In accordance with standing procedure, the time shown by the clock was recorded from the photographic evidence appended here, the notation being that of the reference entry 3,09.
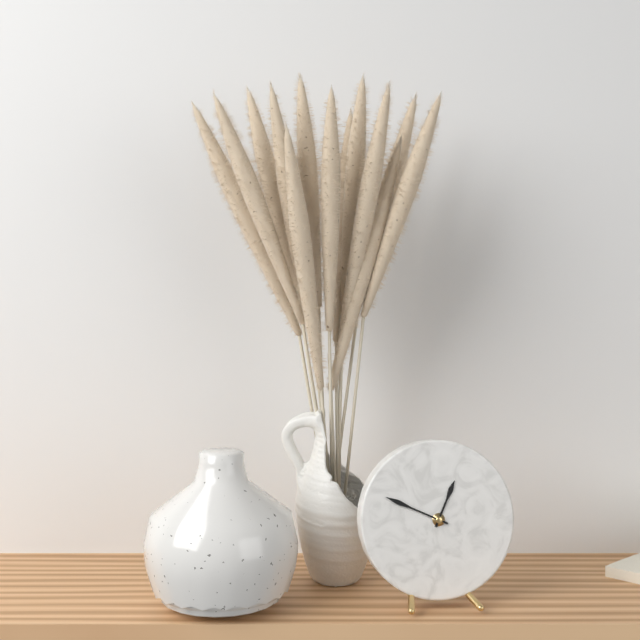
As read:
12,49
